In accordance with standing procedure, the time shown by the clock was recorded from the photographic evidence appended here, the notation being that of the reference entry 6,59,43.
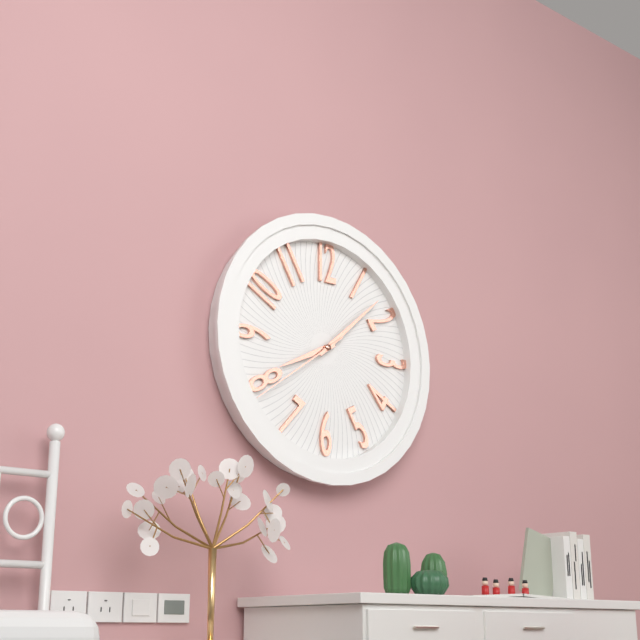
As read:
8,08,39
